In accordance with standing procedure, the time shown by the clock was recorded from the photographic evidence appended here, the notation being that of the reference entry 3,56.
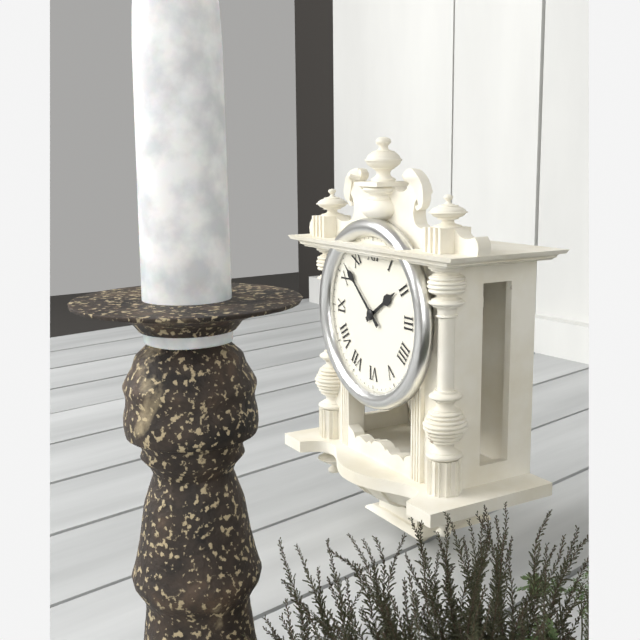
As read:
1,52
